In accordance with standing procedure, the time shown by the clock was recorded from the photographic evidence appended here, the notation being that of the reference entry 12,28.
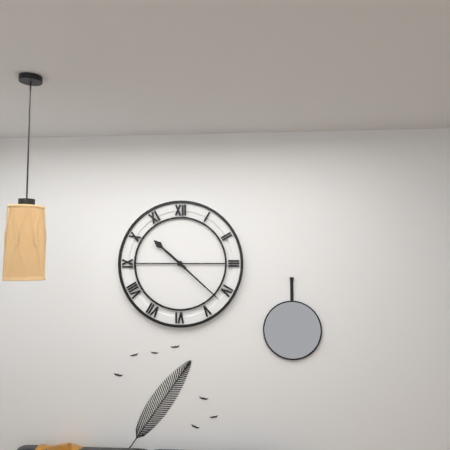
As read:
10,22
